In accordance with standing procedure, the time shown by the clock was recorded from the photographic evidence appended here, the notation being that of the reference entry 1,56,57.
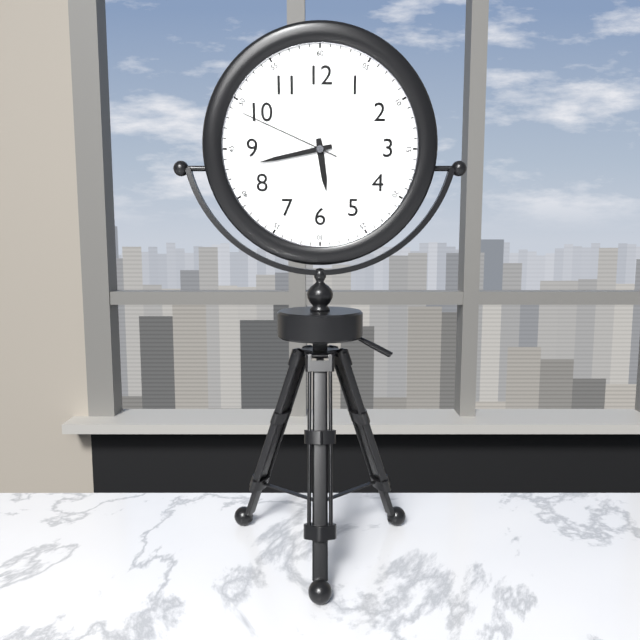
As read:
5,43,49
